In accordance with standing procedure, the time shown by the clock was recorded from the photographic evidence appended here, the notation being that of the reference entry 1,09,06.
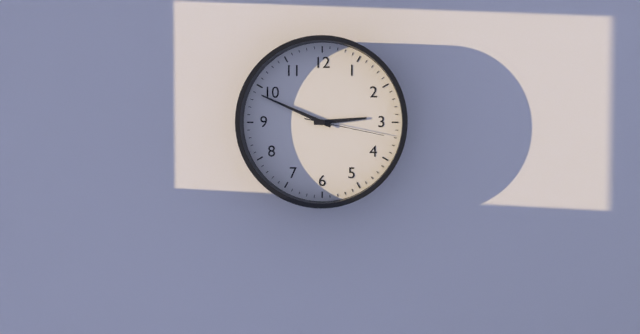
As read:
2,49,17
